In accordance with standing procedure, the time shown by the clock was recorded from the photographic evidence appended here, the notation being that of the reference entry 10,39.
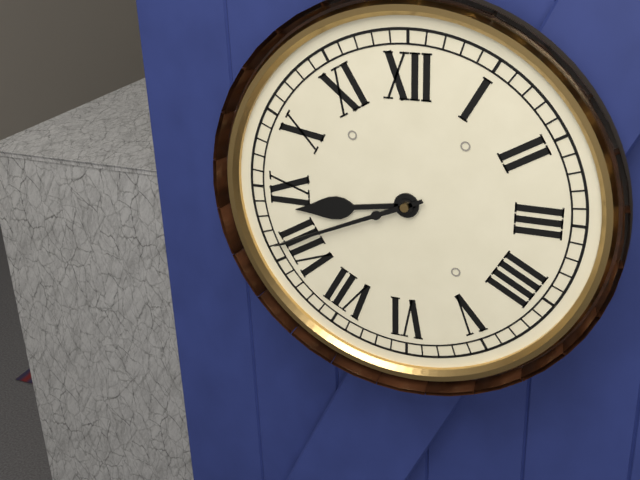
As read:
8,41
